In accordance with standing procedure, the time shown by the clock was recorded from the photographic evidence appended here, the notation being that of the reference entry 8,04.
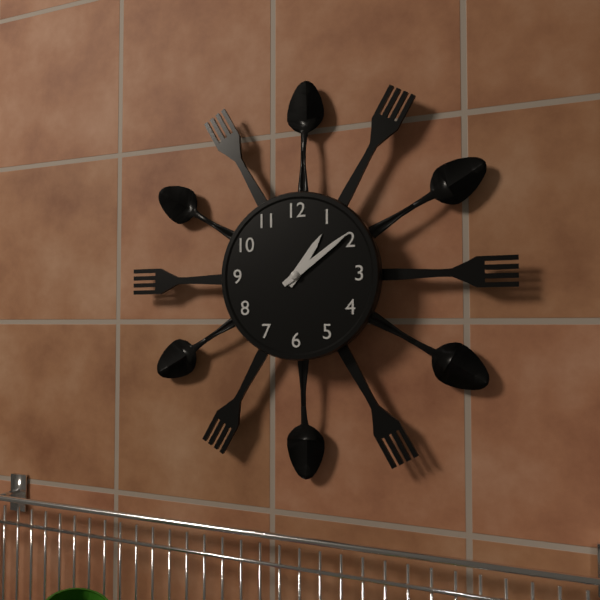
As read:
1,09
